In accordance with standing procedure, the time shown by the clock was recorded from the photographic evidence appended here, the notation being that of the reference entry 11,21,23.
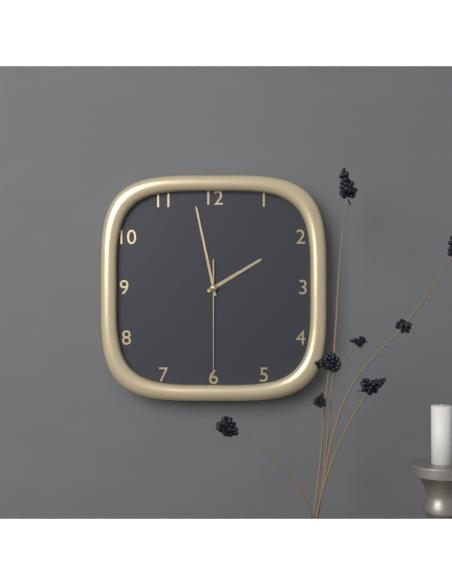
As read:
1,58,30
